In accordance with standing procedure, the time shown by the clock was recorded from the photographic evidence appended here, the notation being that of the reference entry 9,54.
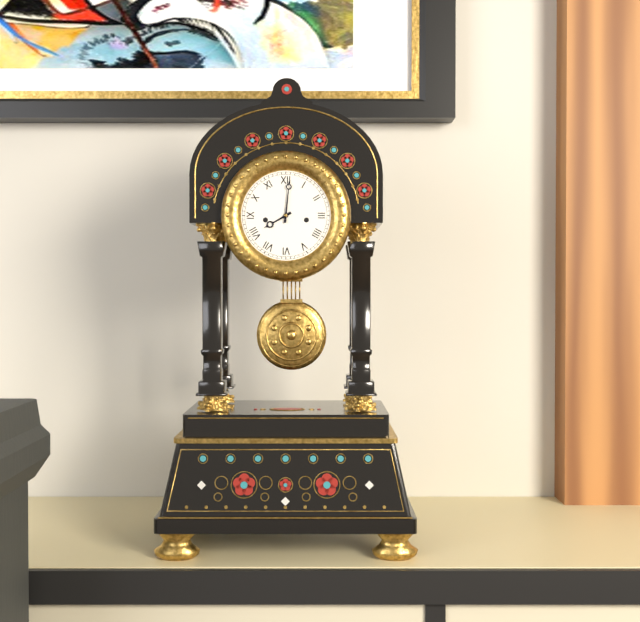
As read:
8,01
